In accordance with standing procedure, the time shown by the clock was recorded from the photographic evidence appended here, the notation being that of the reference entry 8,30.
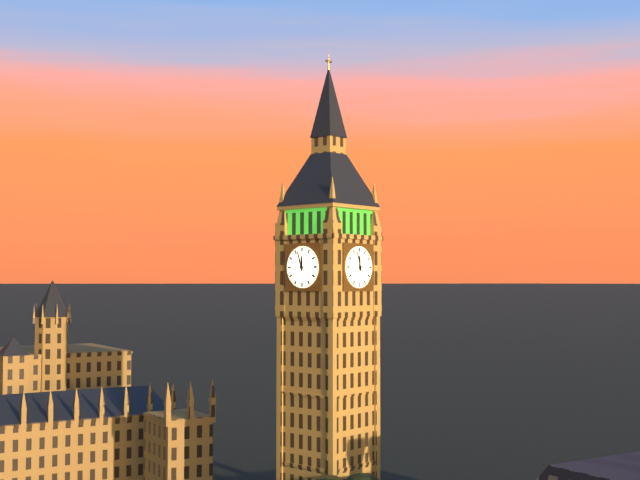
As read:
11,57
